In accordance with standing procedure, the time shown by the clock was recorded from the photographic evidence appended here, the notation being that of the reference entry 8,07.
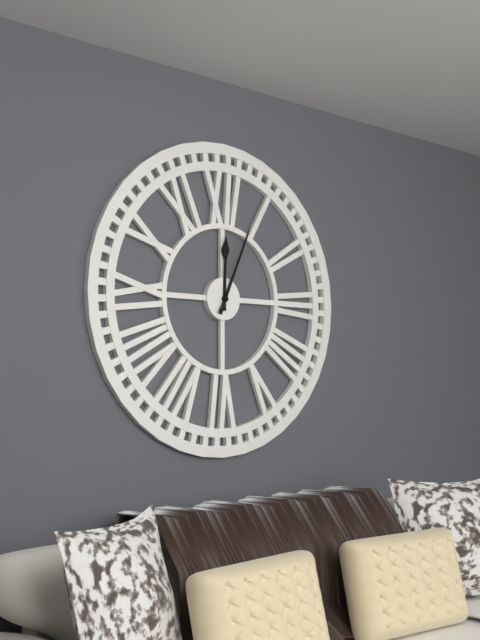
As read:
12,04
